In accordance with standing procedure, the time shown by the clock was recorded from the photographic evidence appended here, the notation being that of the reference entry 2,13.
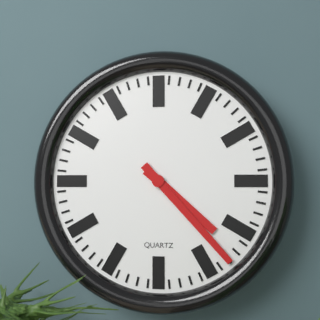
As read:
4,23
